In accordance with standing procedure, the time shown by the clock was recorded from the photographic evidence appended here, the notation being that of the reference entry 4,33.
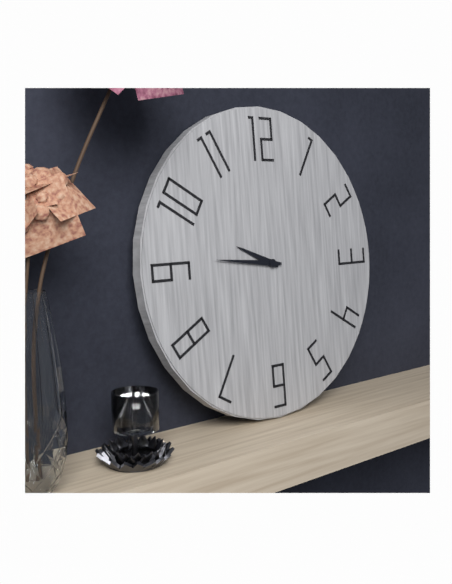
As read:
9,46
